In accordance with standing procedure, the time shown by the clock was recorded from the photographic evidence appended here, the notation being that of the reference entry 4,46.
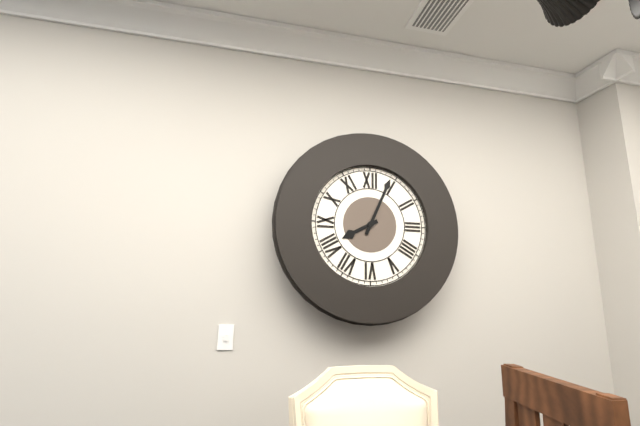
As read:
8,04
